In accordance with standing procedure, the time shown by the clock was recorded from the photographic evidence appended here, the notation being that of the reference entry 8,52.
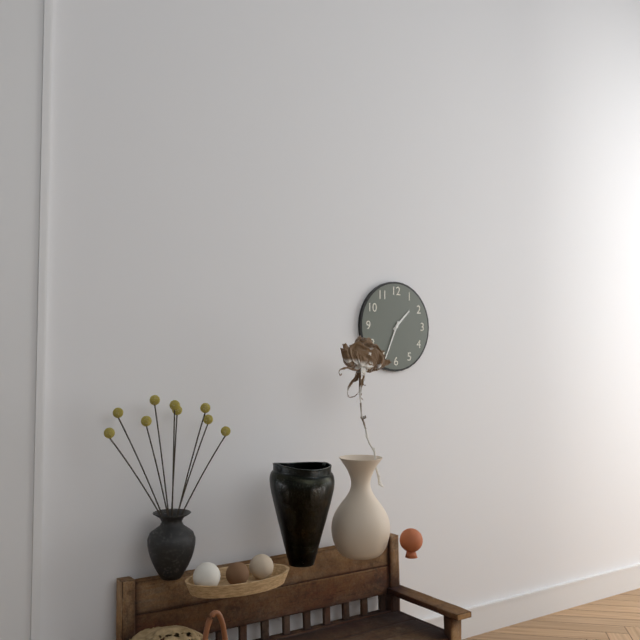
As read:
1,34
